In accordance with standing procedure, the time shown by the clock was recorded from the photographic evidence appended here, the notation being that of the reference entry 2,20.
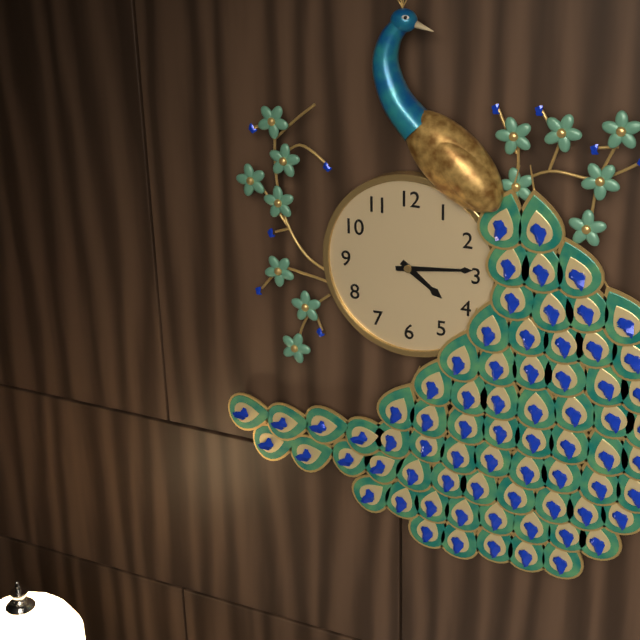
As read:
4,14
